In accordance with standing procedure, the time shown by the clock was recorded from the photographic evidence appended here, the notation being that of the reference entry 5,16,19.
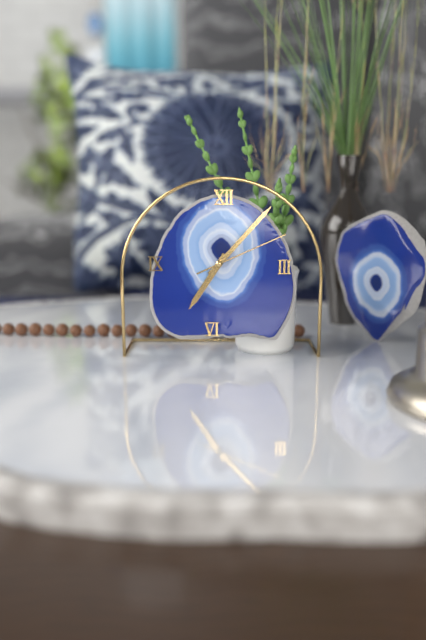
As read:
7,07,11
